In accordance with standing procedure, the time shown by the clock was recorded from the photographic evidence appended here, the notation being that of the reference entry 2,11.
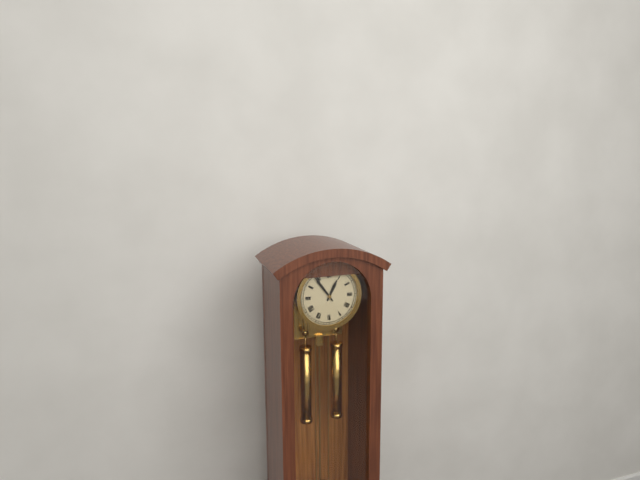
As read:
12,54
